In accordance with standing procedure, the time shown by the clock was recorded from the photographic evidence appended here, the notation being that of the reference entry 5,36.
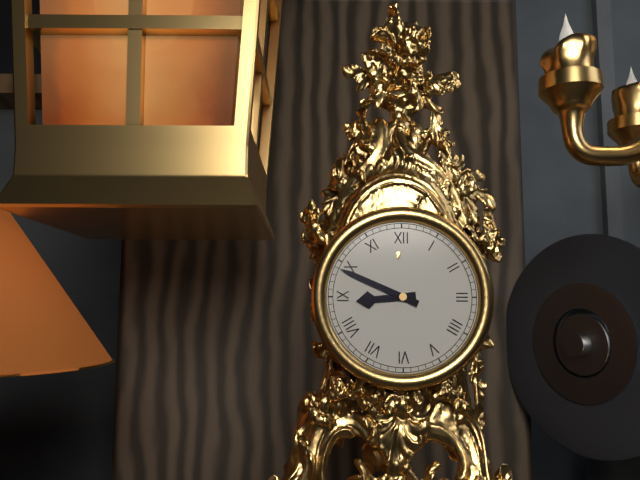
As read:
8,49
